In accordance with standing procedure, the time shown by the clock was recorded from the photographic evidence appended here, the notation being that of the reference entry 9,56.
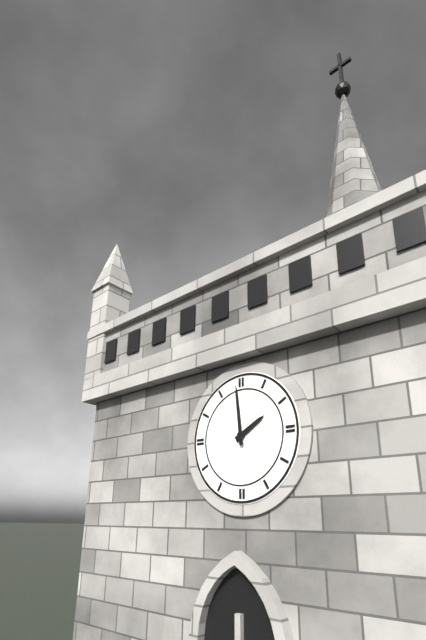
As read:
1,59
